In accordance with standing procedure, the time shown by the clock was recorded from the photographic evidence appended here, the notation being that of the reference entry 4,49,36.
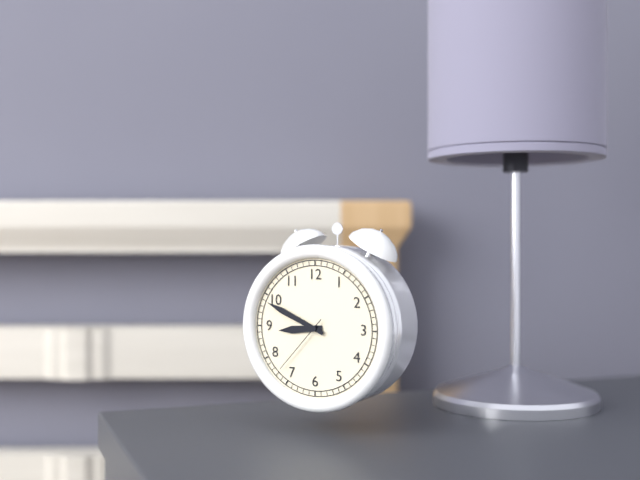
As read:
8,49,37
